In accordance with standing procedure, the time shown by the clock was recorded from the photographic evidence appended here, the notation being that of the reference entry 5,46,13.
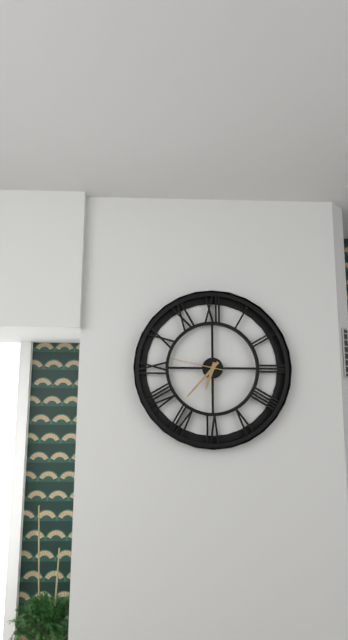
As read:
6,37,47
